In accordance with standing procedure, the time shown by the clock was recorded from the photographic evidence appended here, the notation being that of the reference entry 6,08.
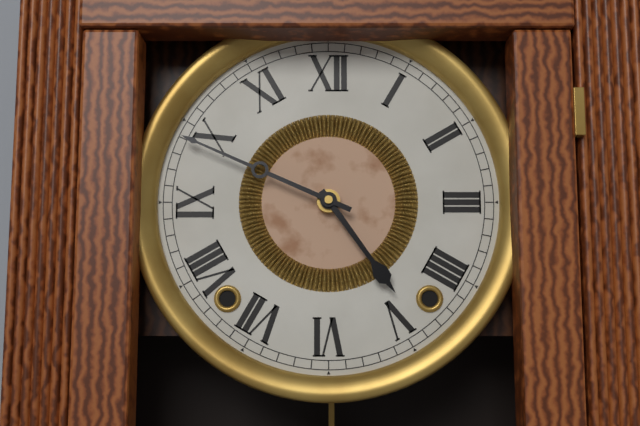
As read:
4,49
